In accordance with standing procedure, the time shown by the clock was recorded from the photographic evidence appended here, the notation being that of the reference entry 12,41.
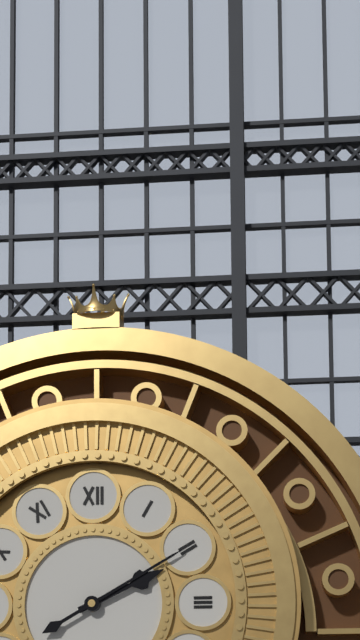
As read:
2,10
